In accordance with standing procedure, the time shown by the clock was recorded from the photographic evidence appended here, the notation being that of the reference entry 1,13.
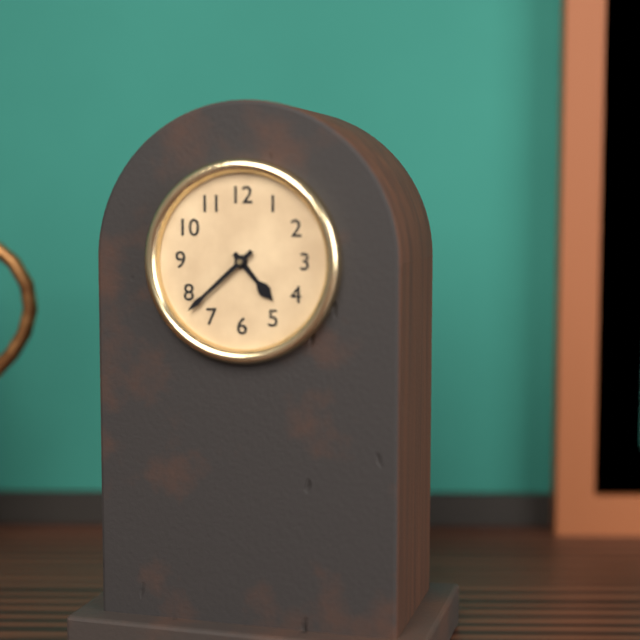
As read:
4,38
